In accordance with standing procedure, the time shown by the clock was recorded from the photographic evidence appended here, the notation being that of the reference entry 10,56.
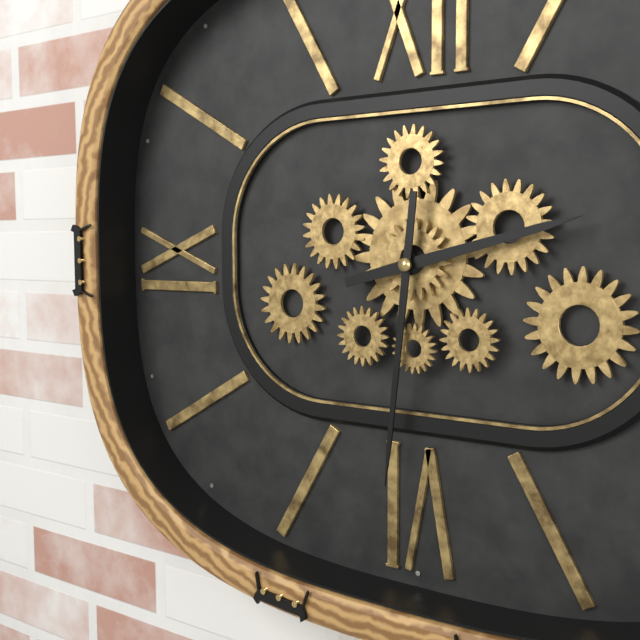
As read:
2,31
